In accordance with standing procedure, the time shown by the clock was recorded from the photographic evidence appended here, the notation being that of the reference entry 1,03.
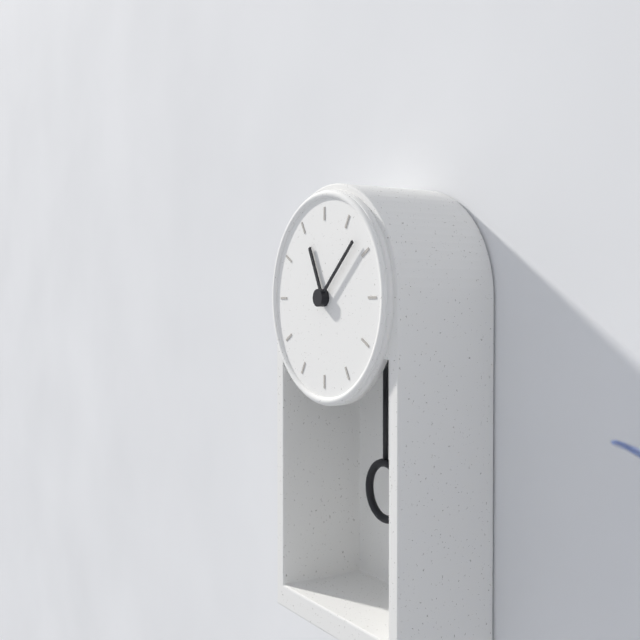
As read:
11,08
